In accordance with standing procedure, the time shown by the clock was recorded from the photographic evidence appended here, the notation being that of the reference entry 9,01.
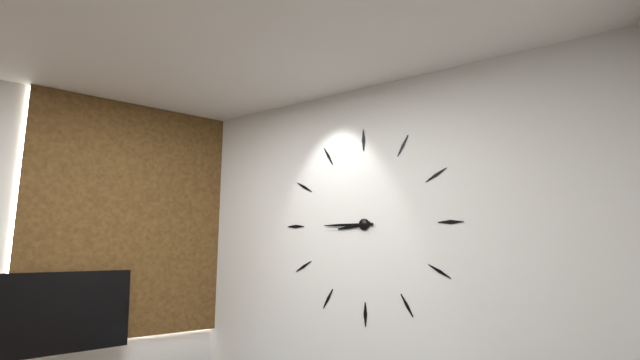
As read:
8,45
